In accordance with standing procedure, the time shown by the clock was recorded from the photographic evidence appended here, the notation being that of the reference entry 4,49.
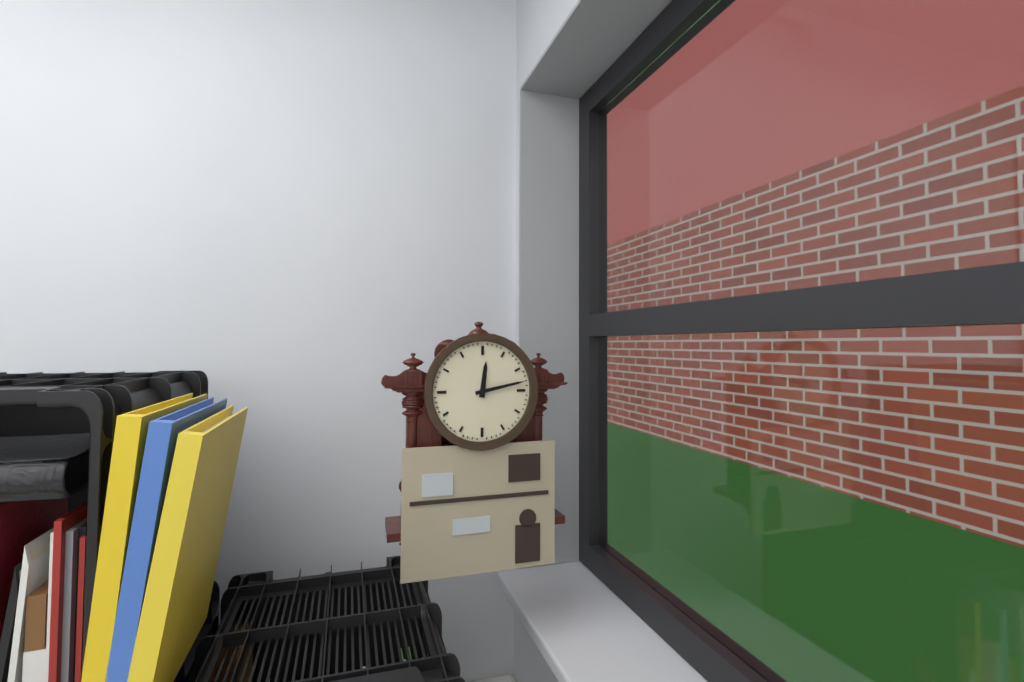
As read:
12,13
